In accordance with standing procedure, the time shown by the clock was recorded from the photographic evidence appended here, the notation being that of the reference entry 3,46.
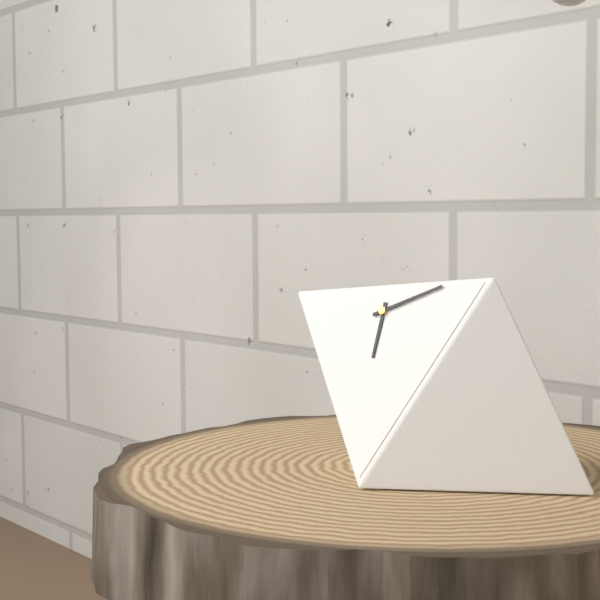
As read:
6,12
